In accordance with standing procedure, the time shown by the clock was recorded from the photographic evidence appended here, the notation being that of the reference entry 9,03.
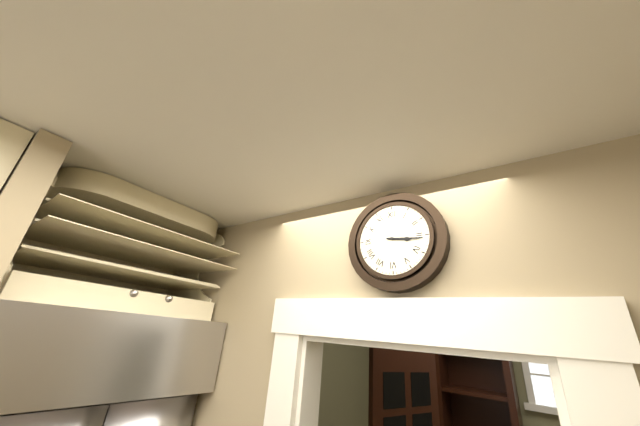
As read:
3,16
